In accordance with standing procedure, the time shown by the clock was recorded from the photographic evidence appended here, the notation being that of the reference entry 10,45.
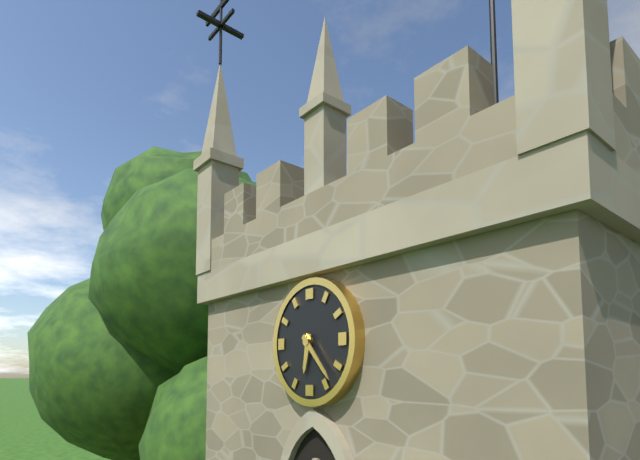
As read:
6,23
